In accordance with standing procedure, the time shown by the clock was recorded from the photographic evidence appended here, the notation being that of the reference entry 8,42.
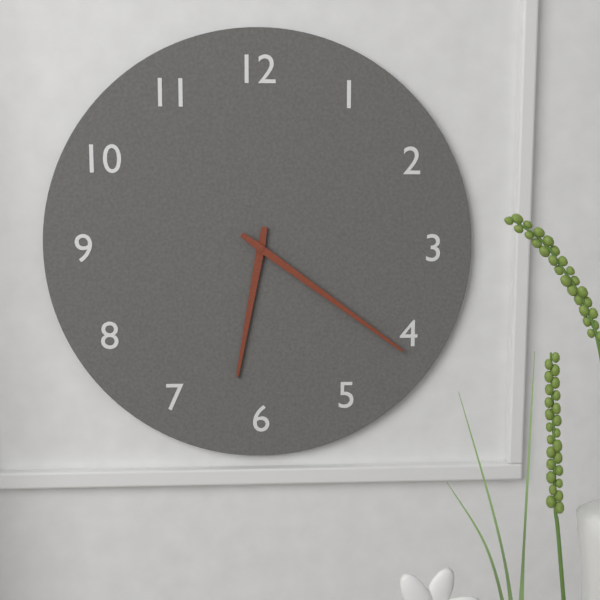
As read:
6,21
